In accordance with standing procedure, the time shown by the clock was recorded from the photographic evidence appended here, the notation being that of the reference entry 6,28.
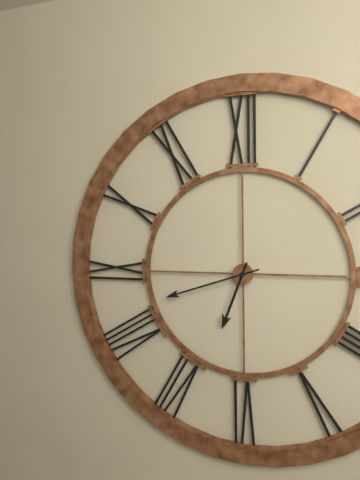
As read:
6,42
